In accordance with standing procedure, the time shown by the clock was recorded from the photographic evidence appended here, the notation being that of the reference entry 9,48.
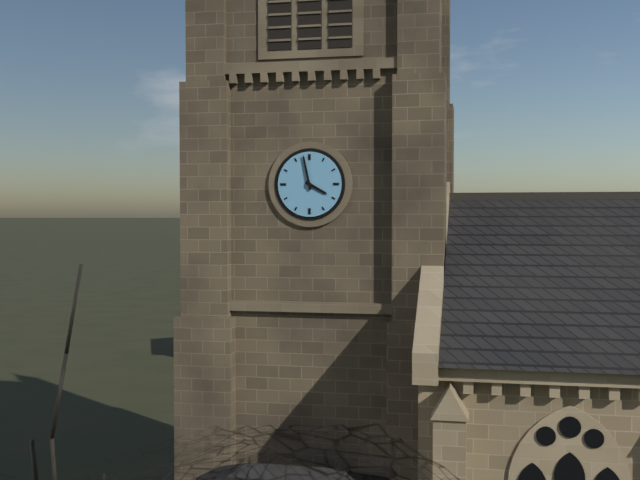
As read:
3,58
